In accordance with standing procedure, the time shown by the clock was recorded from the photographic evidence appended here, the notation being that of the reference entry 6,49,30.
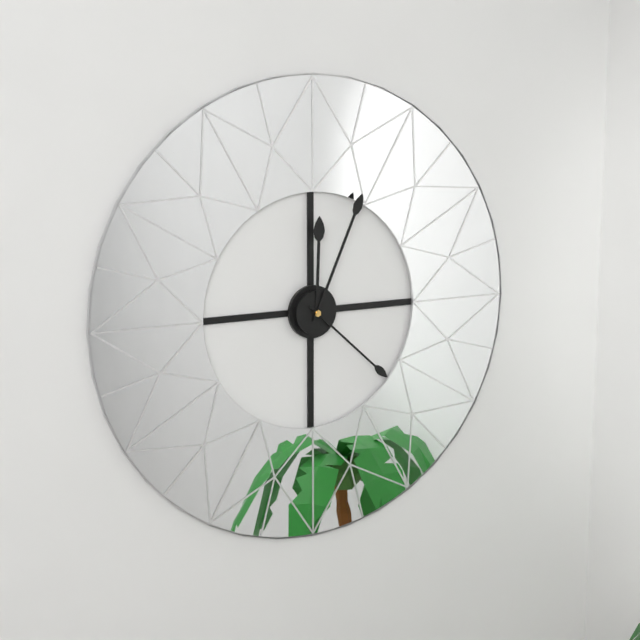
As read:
12,04,22
